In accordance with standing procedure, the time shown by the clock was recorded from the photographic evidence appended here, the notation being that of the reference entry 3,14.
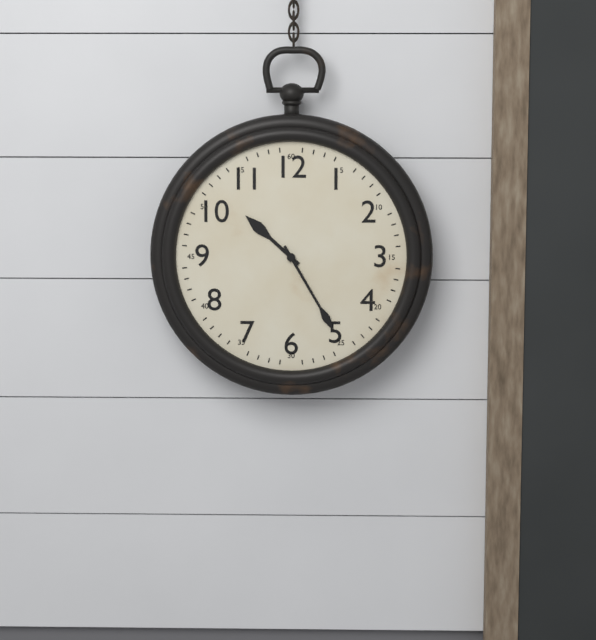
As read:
10,25
